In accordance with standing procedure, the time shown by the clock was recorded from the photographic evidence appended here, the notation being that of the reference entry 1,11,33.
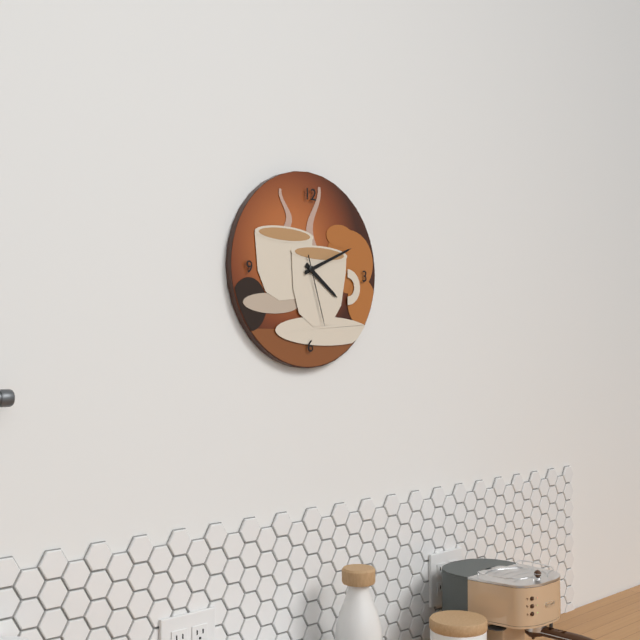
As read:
4,11,27
